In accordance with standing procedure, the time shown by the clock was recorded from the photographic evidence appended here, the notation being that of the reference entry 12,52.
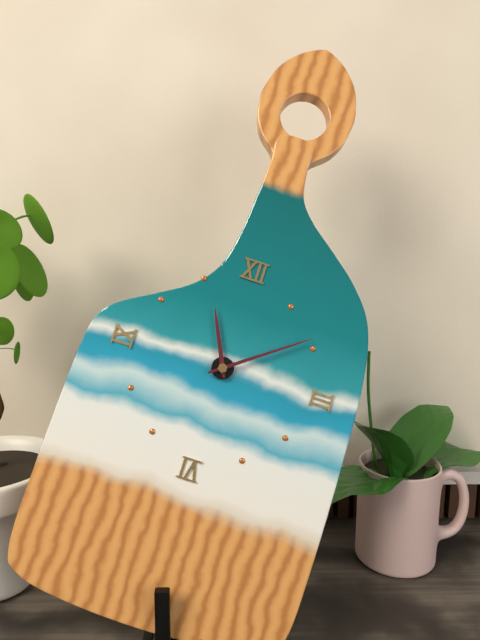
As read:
11,09
